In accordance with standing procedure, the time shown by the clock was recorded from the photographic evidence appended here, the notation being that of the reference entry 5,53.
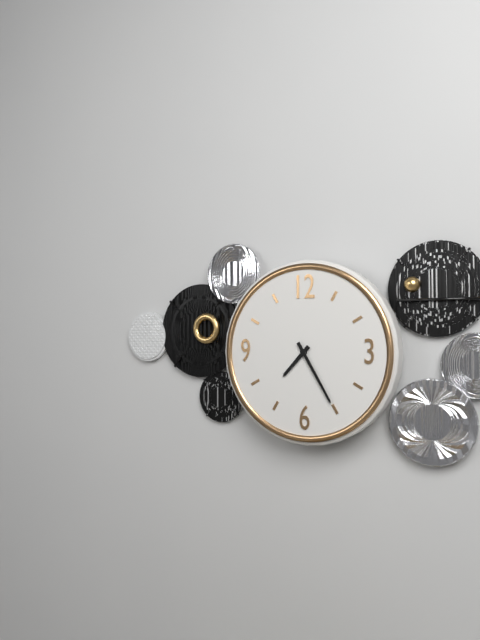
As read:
7,25
